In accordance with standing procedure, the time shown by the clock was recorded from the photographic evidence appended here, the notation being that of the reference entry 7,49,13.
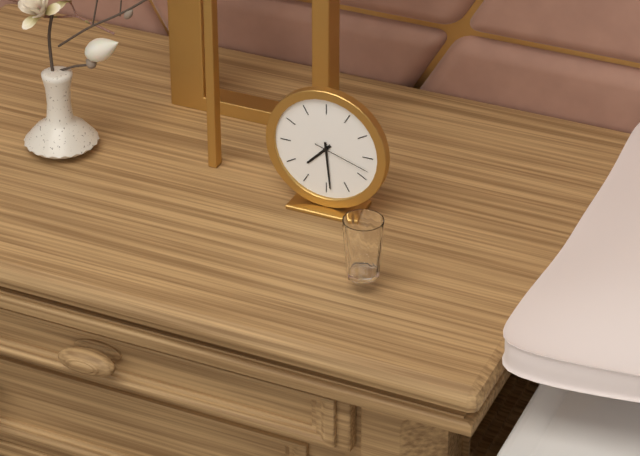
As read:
7,29,18
